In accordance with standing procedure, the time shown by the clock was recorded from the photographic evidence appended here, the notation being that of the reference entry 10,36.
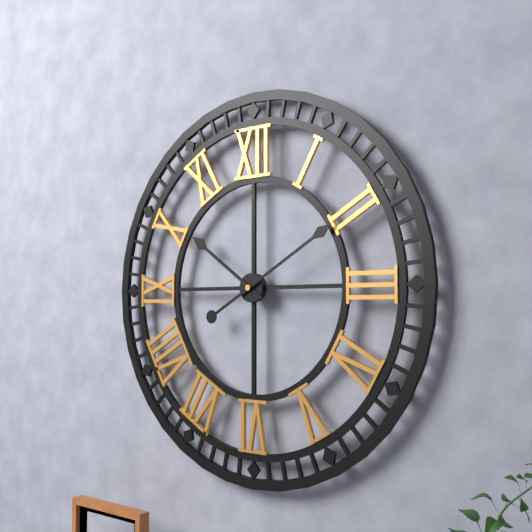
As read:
10,10
